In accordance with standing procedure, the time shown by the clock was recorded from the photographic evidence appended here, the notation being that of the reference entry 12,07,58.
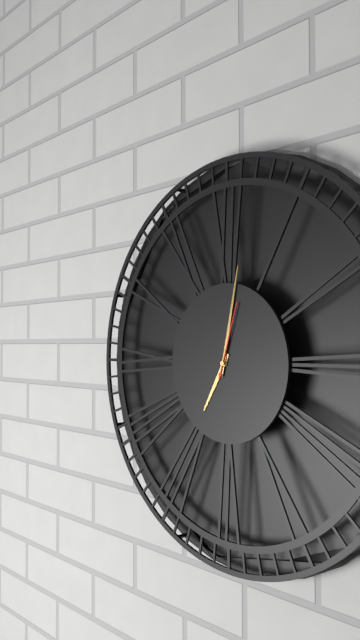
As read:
7,02,03
